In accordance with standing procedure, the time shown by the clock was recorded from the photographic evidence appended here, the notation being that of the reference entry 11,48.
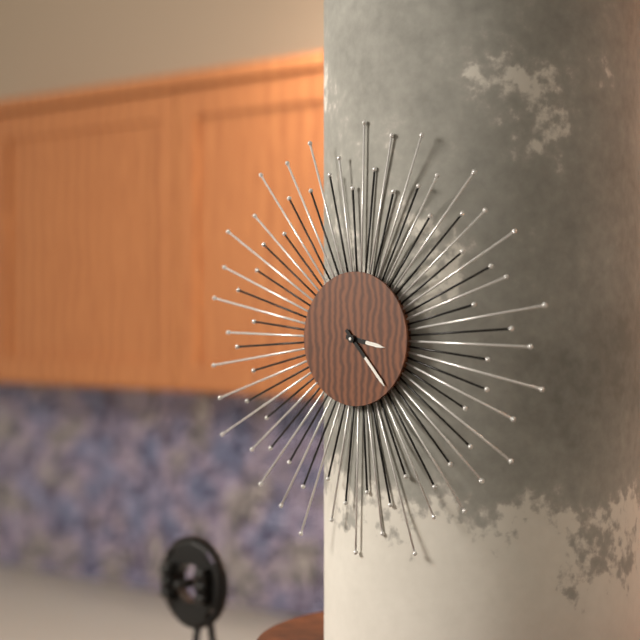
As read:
3,23
